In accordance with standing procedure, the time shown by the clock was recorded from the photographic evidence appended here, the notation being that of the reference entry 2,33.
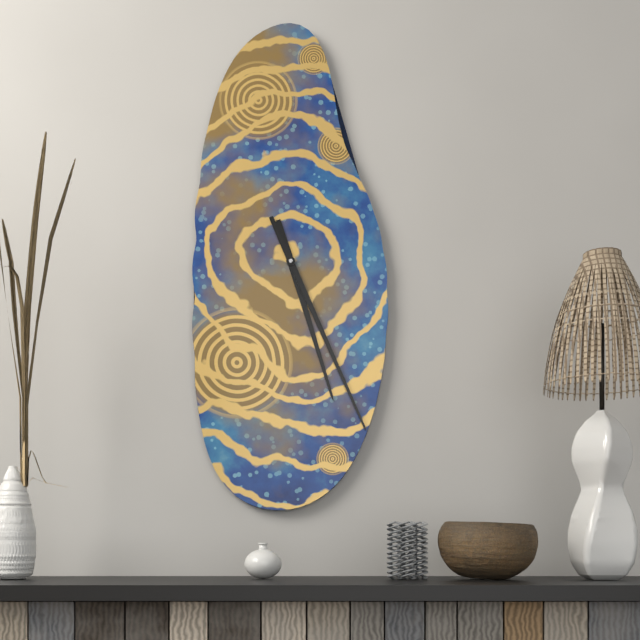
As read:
5,26
